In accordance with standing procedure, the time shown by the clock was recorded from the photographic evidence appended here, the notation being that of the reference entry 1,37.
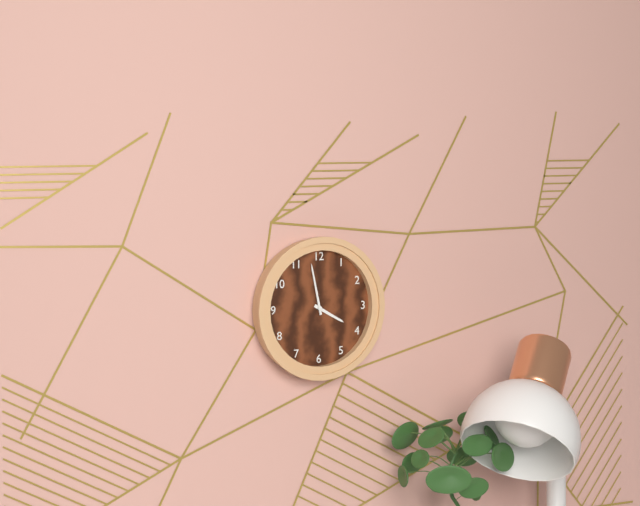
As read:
3,58
